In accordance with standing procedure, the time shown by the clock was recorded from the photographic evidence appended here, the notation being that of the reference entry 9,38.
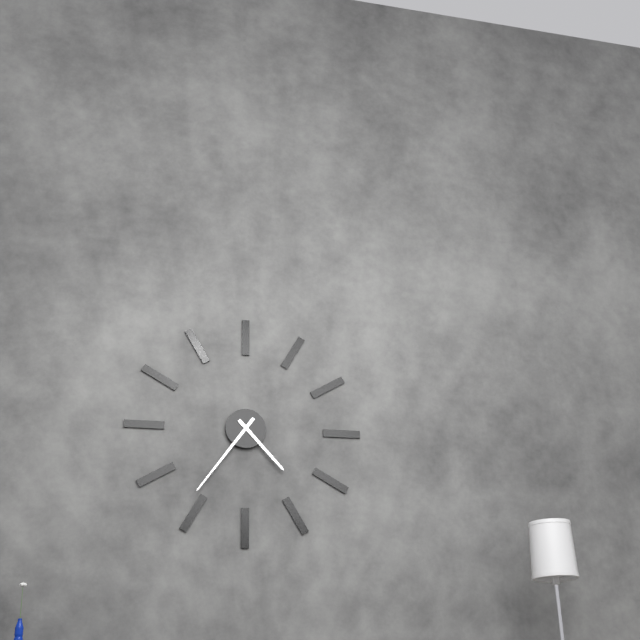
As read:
4,36
